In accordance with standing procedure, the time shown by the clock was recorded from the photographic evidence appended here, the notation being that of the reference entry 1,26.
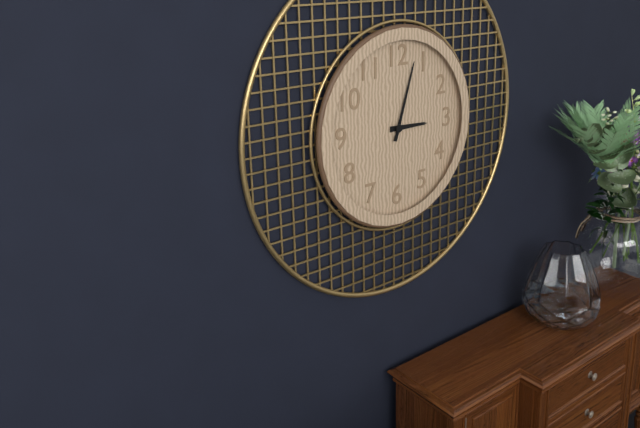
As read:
3,03
